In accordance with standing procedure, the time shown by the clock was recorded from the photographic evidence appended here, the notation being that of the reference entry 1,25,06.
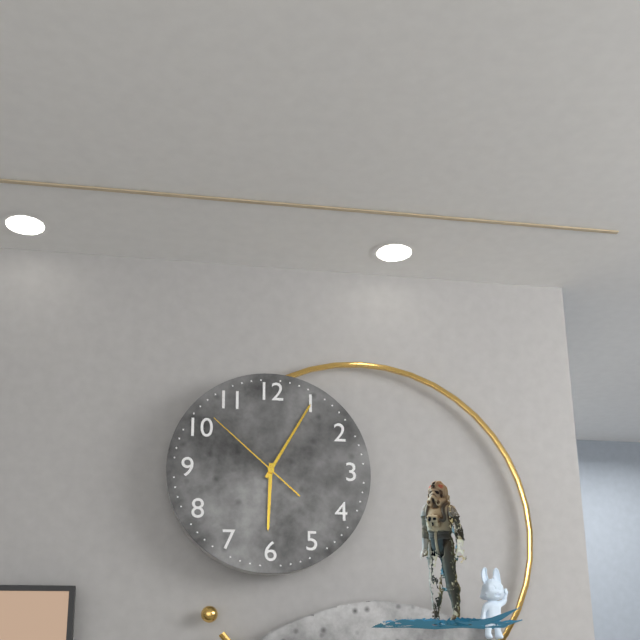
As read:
6,05,52
